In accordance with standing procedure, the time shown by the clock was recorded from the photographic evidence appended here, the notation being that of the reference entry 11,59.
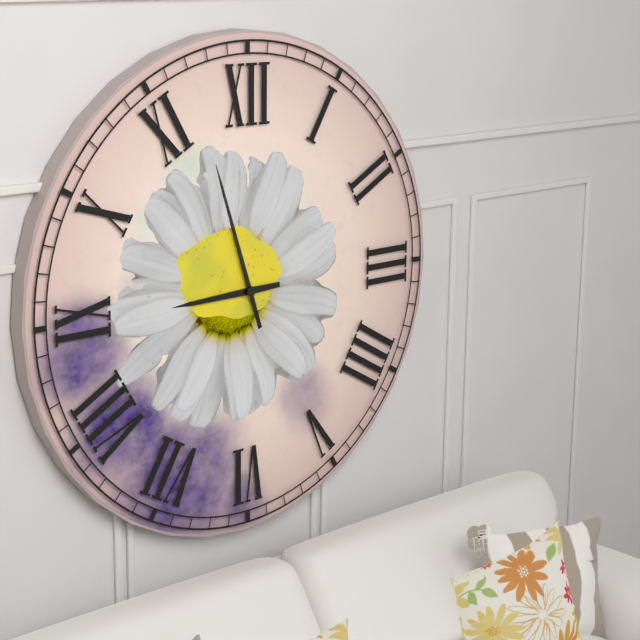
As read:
8,57
